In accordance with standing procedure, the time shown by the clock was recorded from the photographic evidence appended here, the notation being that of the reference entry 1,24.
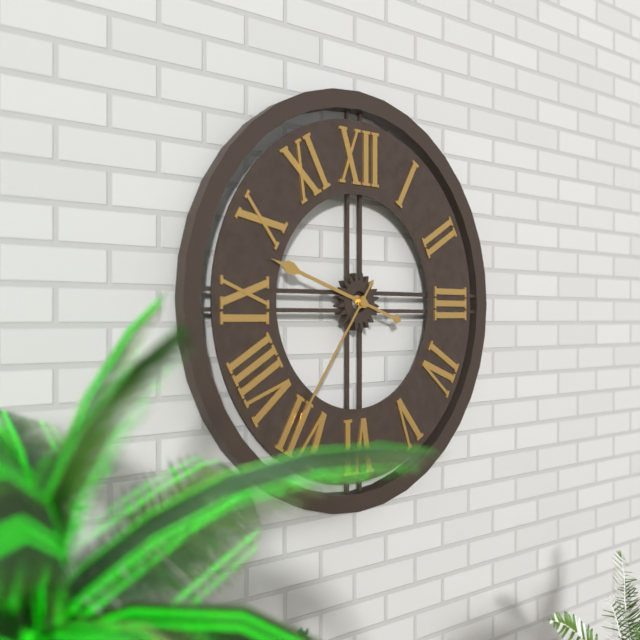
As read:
9,36
